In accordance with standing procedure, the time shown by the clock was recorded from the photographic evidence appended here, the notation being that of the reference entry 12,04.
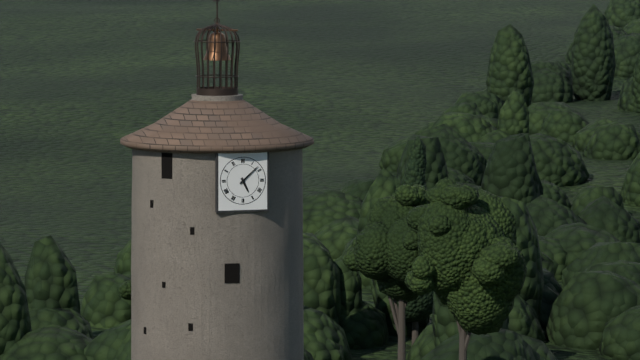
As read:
5,08
